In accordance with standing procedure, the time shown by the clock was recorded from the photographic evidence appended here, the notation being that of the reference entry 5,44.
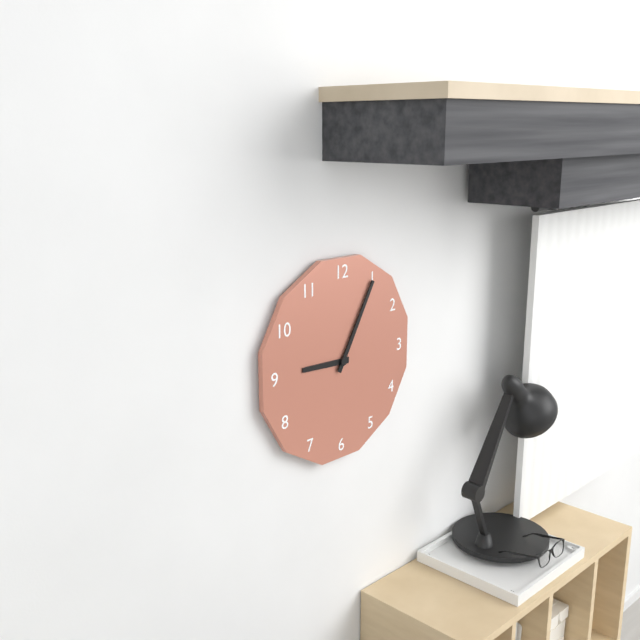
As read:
9,05
